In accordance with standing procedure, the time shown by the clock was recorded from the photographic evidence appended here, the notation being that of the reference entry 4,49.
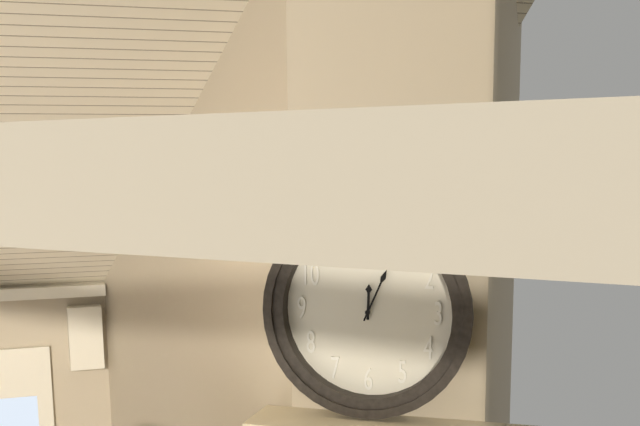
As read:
12,04
